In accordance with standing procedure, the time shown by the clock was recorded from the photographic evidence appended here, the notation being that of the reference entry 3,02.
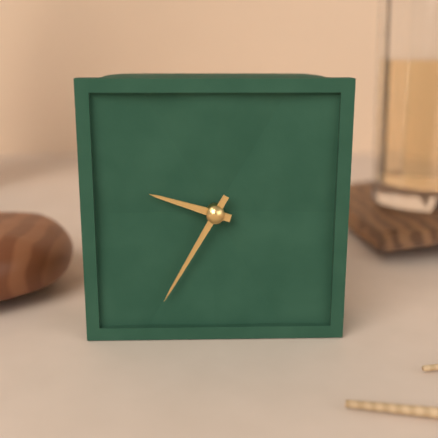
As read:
9,35
